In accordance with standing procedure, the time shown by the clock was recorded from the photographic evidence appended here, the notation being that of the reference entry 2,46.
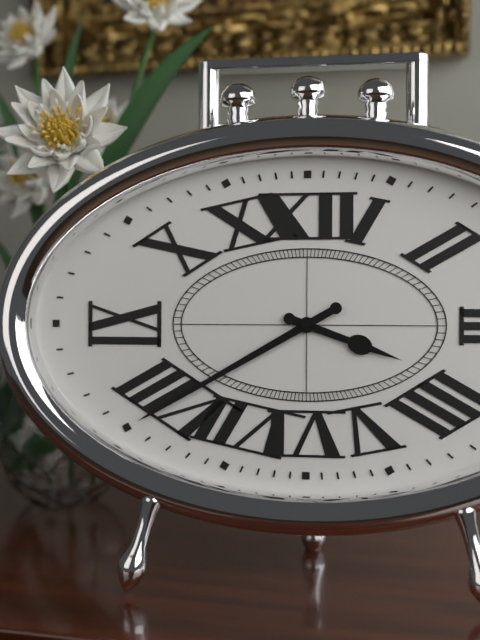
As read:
3,40
